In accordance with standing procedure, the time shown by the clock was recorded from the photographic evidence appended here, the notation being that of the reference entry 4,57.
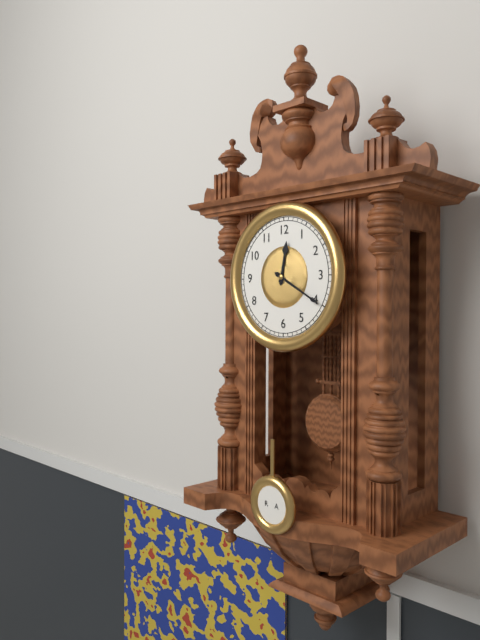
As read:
12,20
